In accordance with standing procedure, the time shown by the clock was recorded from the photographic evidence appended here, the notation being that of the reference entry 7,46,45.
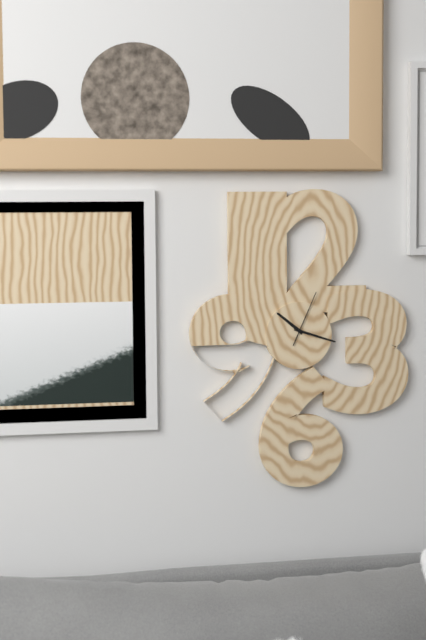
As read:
10,18,04
